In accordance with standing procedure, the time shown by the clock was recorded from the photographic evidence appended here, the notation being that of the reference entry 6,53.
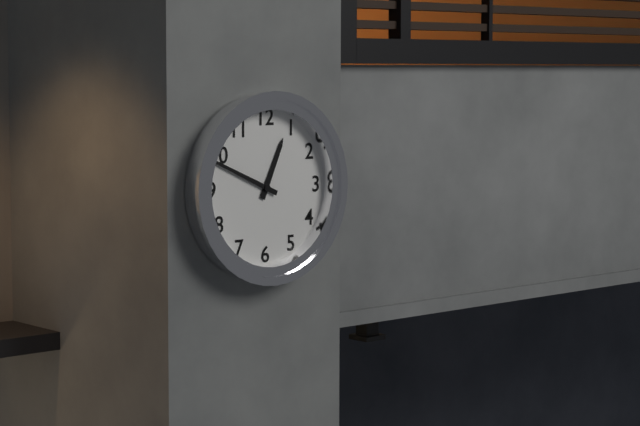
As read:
12,49
